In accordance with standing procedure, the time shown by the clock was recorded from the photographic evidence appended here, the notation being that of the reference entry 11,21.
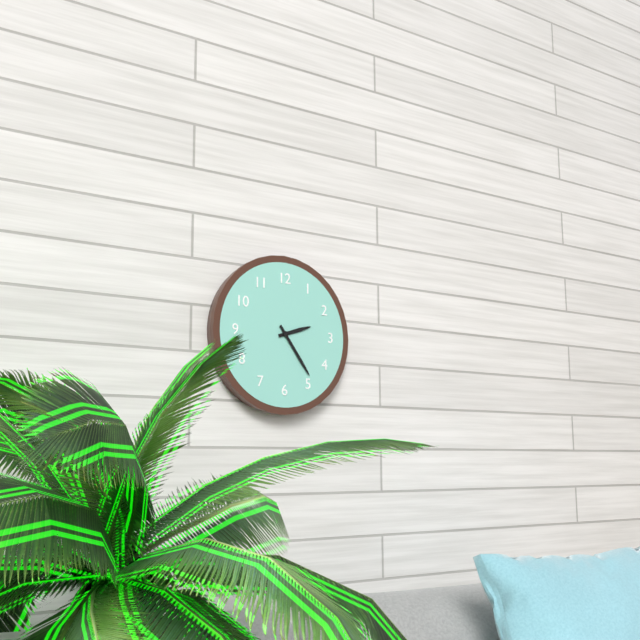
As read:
2,24
